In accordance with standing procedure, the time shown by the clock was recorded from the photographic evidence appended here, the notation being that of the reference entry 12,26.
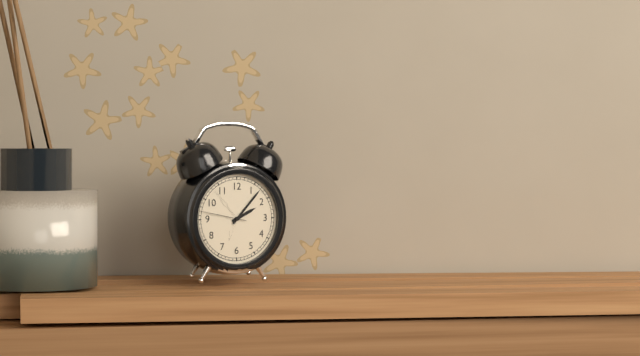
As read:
2,07
